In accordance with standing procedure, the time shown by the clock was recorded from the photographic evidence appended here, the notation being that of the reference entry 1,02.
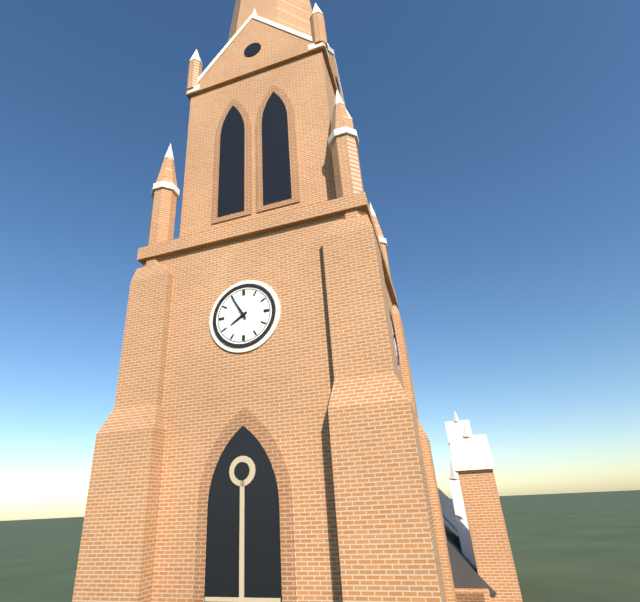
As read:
7,55
